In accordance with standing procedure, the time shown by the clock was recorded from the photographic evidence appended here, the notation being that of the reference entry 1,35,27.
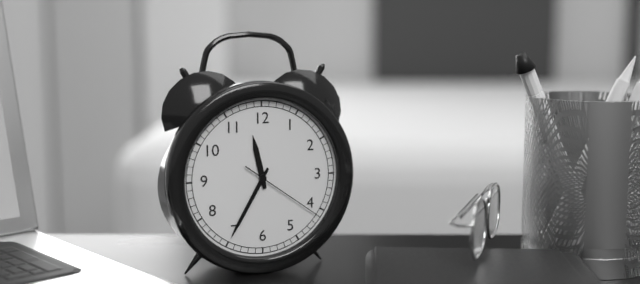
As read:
11,35,21
